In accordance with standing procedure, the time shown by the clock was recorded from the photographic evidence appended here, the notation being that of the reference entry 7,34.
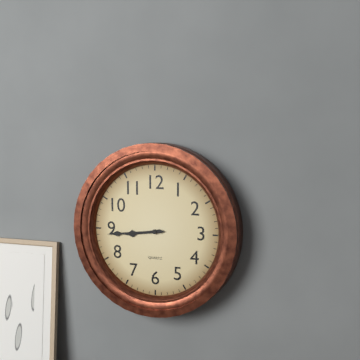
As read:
8,44
